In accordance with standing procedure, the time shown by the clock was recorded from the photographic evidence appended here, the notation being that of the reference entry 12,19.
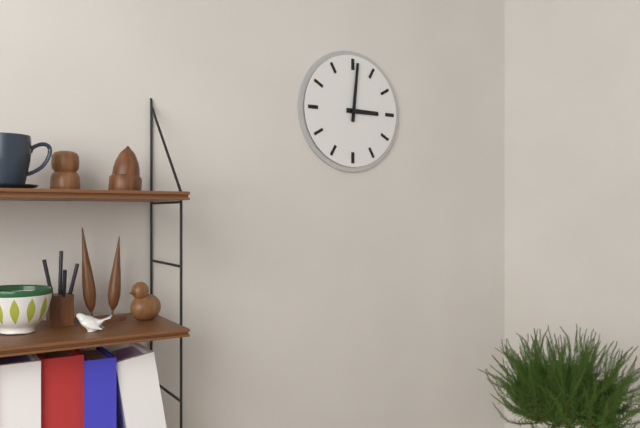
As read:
3,01
